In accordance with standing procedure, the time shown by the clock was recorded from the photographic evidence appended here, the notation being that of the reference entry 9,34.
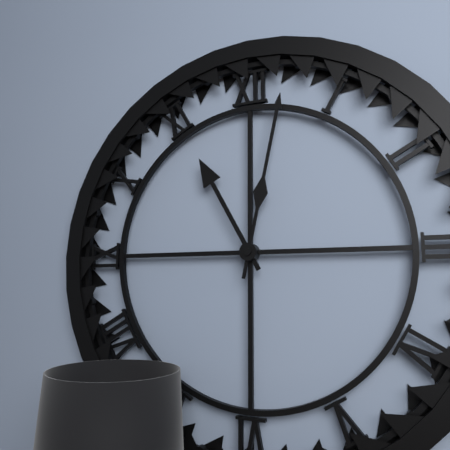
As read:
11,02
